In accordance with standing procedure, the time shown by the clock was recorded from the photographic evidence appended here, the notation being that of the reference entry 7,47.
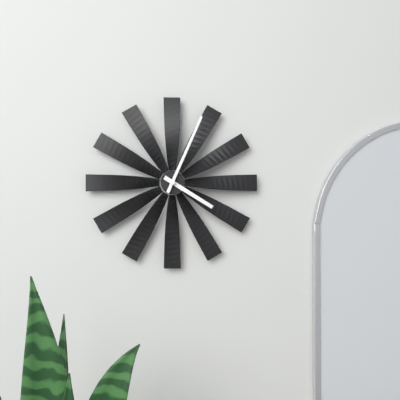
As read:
4,04
